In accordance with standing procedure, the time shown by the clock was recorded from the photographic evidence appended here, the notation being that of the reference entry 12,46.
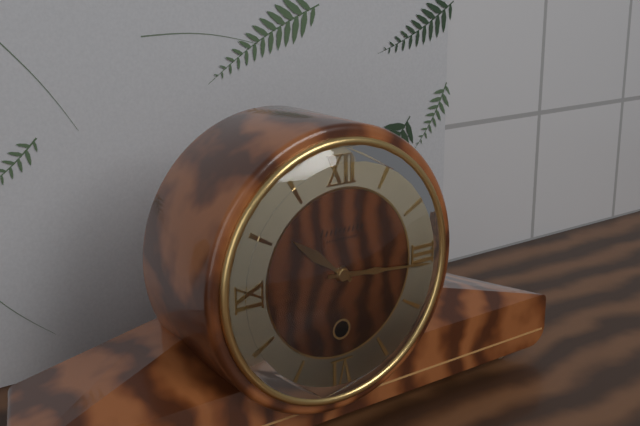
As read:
10,16
